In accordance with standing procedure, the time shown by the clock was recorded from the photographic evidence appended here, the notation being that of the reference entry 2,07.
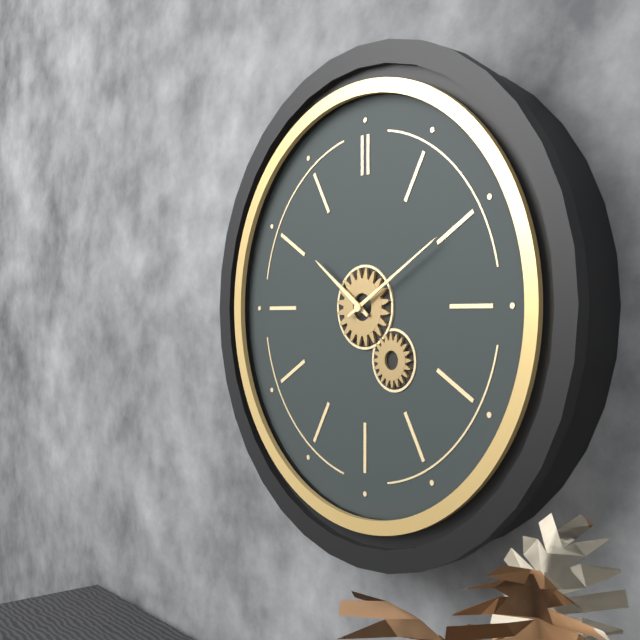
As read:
10,10
